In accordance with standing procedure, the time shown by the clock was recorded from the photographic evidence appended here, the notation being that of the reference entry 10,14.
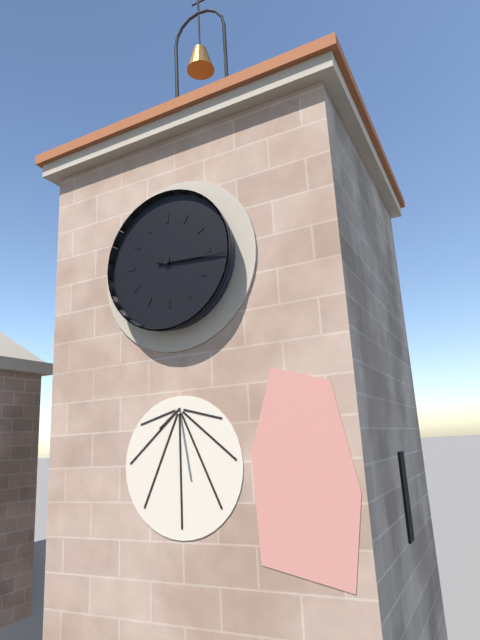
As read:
3,16
